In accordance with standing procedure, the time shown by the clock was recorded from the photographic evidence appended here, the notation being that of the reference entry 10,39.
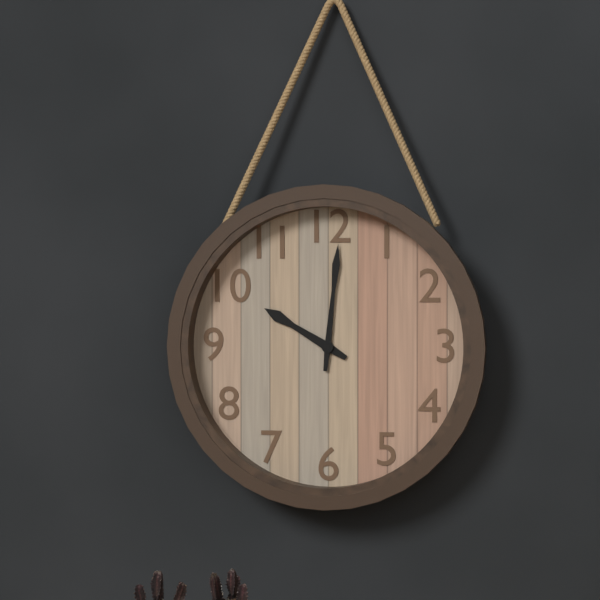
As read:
10,01
